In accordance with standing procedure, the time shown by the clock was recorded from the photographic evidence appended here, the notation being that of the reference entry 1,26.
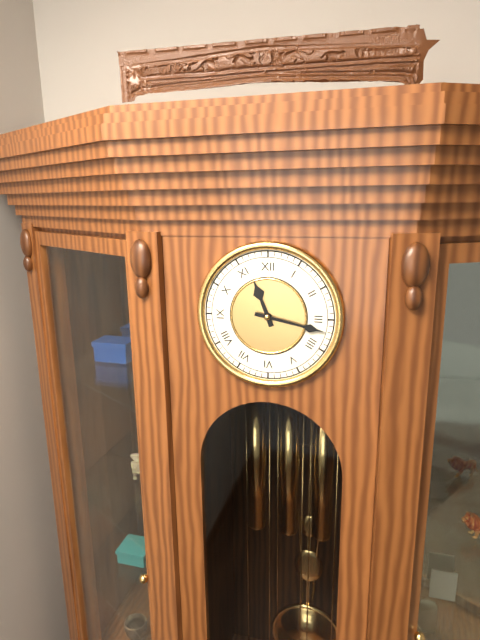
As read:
11,17
